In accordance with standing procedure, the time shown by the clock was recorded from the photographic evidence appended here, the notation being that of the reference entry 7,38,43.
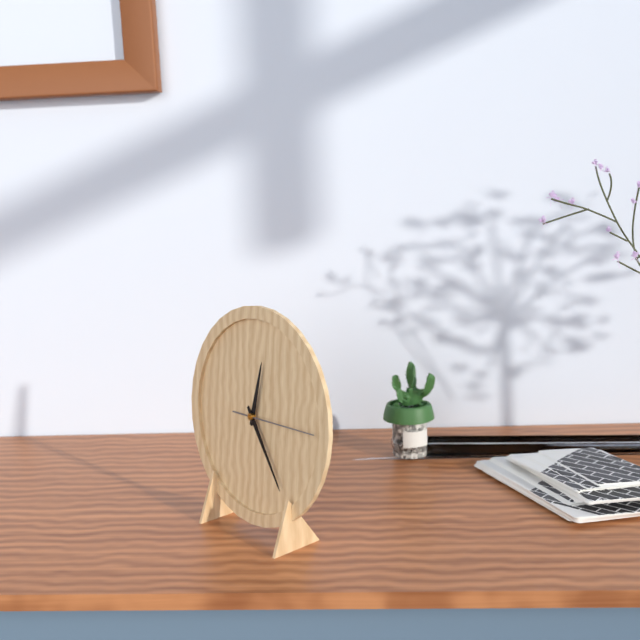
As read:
12,24,15
